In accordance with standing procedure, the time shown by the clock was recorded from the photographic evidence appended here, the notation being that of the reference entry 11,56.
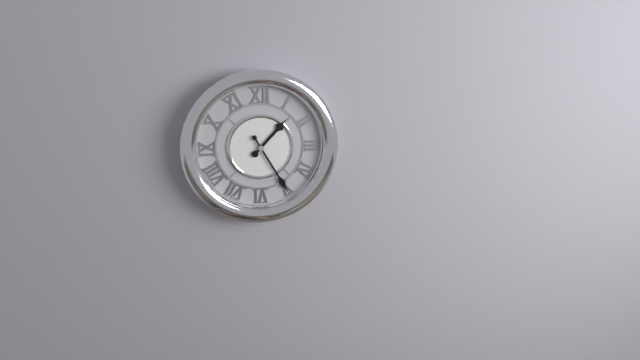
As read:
1,25
